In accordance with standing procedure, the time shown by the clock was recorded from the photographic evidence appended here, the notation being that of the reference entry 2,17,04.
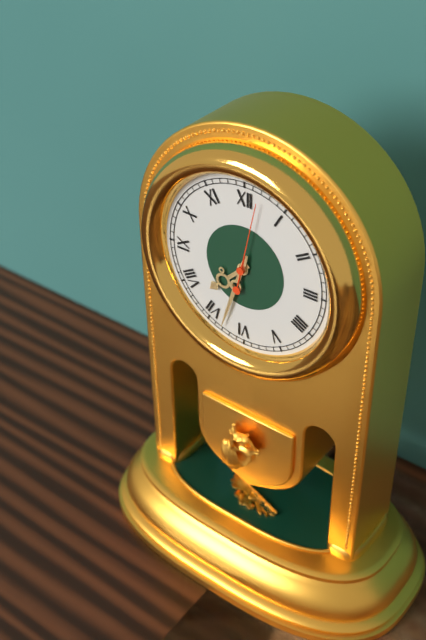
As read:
7,33,02
